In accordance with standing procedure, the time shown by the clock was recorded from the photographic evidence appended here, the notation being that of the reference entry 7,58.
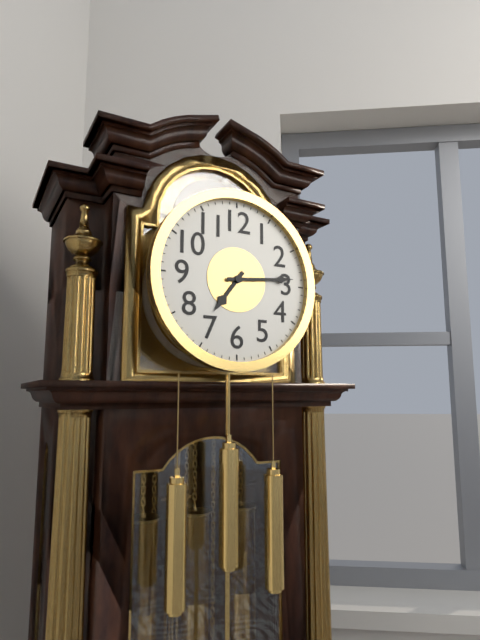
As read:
7,14
